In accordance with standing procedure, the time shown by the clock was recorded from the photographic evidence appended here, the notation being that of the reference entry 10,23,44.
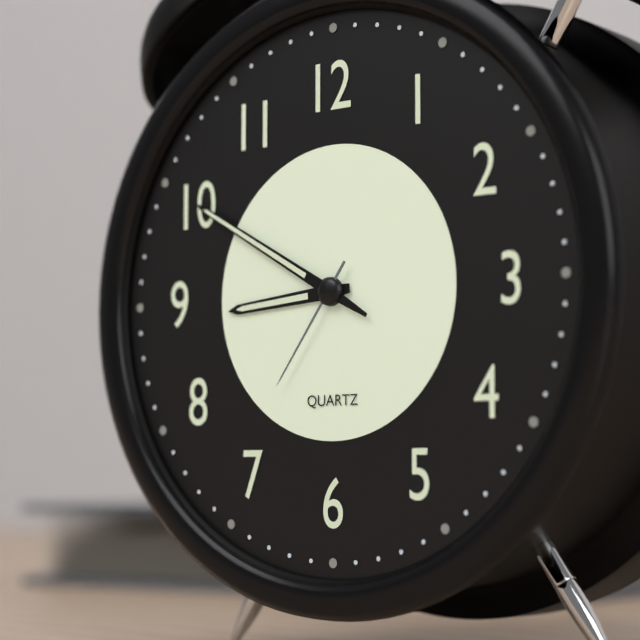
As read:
8,50,36
